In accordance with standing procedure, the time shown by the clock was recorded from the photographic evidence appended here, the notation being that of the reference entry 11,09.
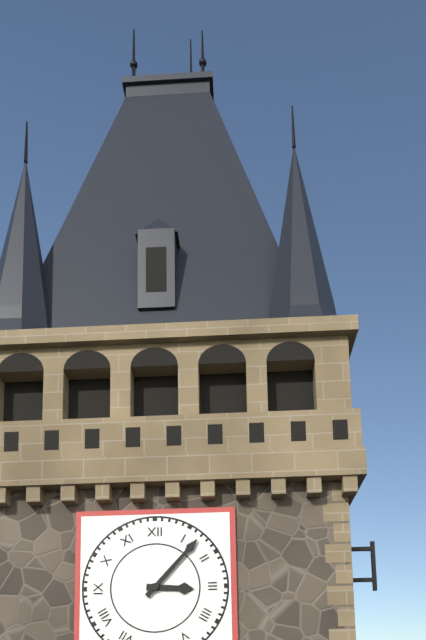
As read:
3,07
